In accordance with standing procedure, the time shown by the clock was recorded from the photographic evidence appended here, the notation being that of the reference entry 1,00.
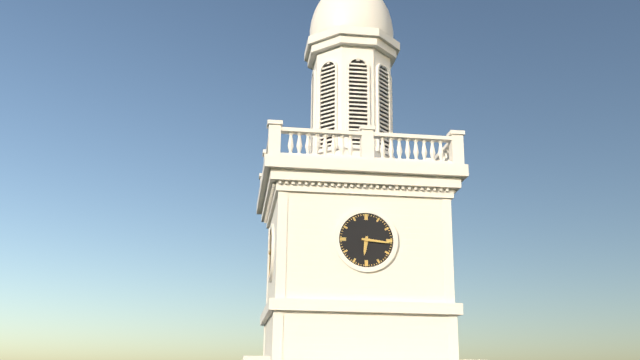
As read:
6,16
